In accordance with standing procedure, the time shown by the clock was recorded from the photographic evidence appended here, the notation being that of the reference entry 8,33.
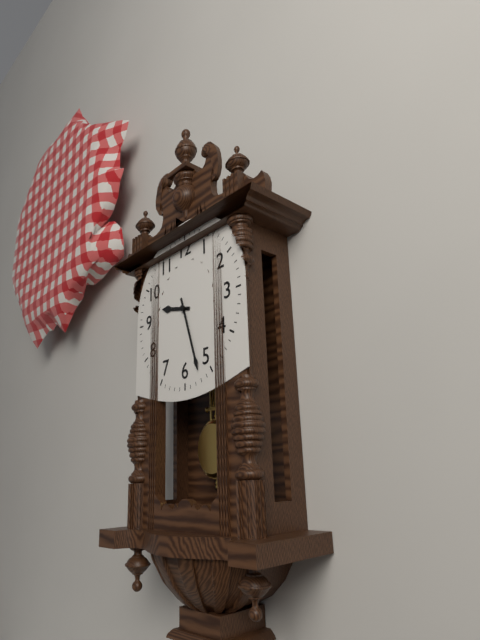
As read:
9,27
